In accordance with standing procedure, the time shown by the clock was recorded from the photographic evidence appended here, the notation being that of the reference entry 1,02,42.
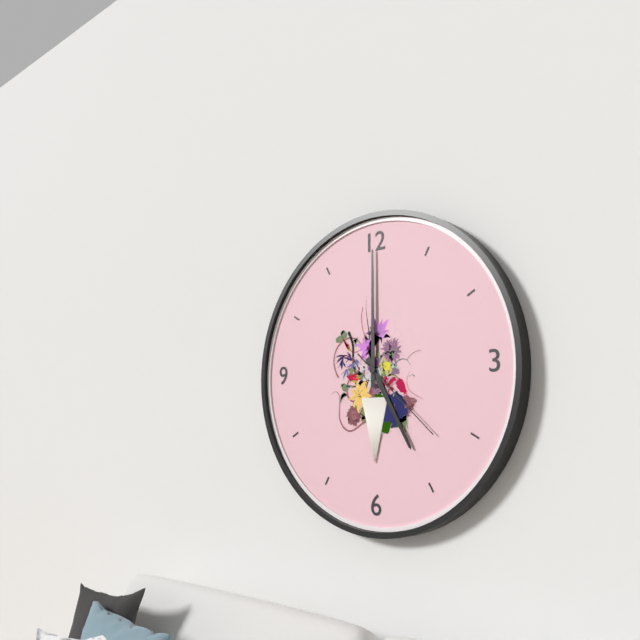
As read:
5,00,22
